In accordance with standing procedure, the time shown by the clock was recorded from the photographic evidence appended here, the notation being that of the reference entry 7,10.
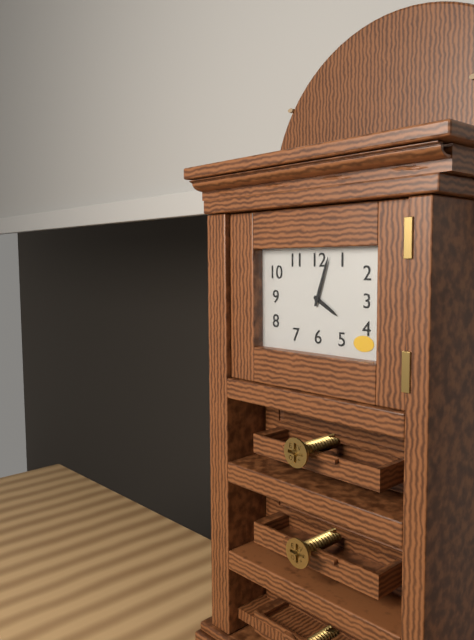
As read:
4,03
